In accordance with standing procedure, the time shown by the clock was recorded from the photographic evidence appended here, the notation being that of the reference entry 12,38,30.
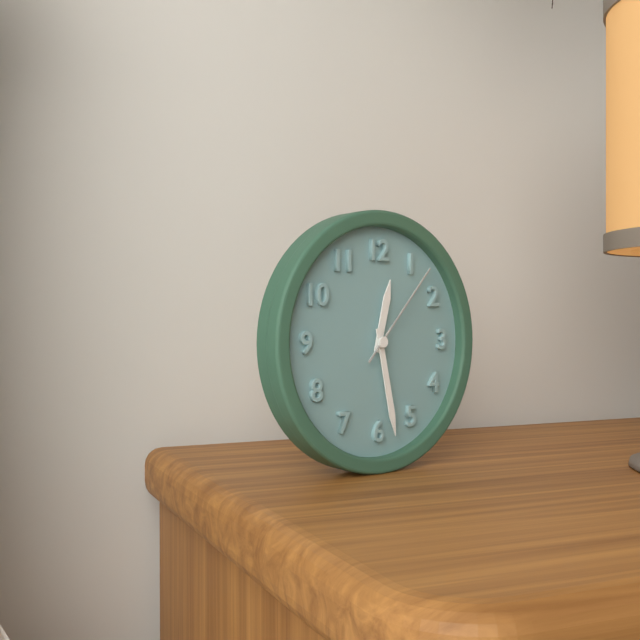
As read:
12,28,07
